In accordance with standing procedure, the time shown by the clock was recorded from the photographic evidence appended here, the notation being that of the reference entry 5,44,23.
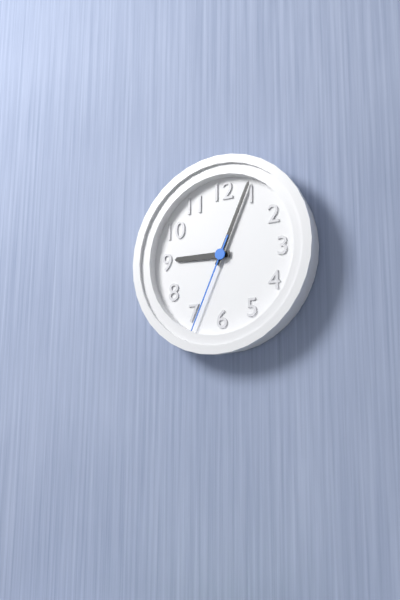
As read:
9,04,34
